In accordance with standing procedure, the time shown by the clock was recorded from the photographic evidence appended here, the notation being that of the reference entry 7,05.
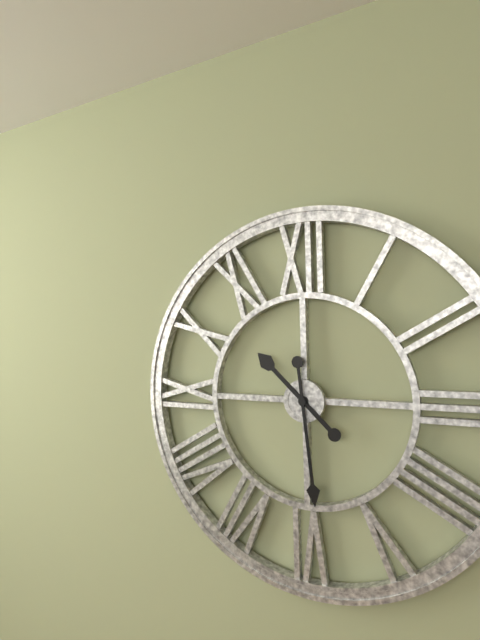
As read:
10,29
